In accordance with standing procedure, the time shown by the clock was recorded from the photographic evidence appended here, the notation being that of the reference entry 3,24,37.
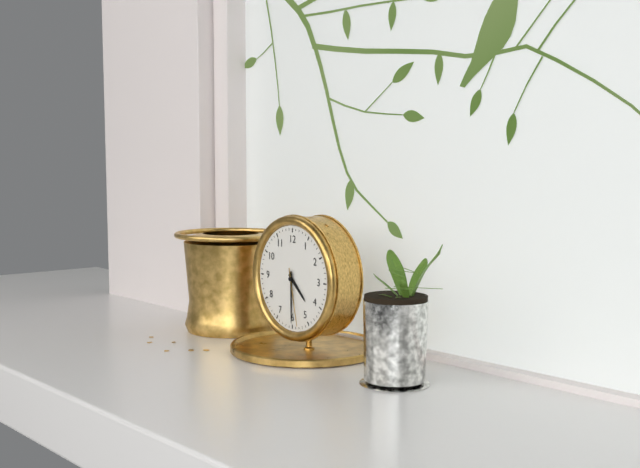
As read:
4,30,28
